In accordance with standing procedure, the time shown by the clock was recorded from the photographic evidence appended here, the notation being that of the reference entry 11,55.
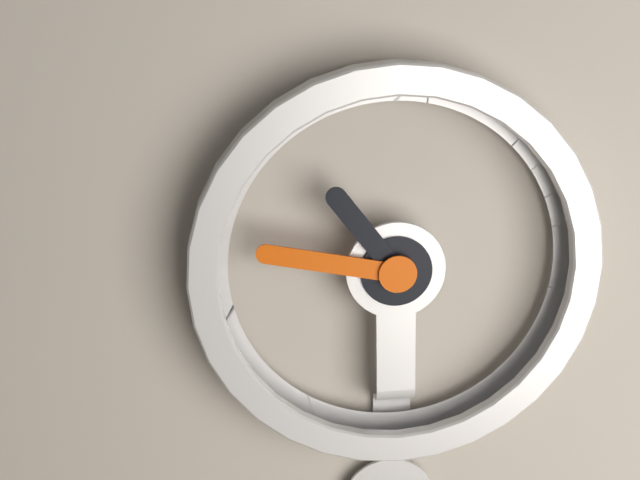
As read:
10,47
